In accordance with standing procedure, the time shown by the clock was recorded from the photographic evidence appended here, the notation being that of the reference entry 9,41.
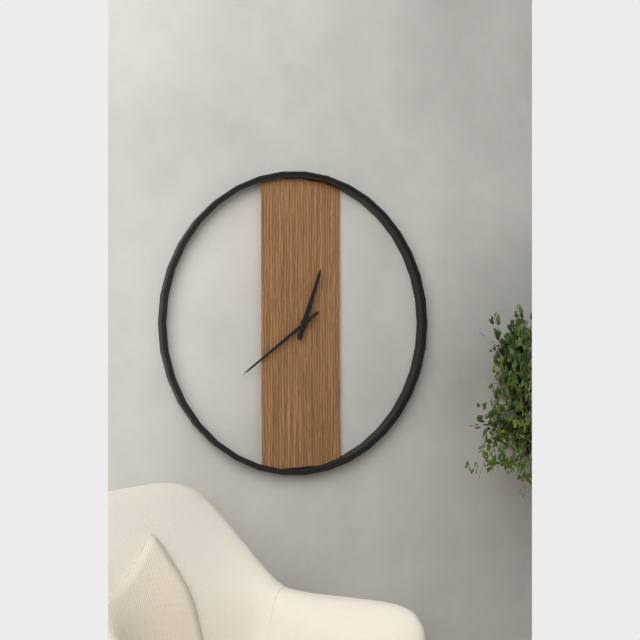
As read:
12,39
